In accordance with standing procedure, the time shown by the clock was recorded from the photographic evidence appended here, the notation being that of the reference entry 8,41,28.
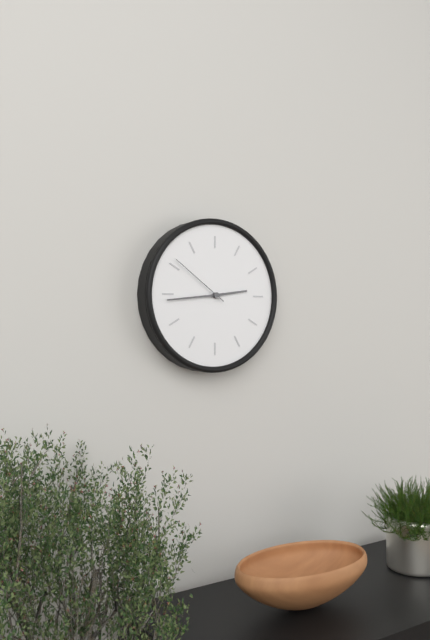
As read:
2,44,51
